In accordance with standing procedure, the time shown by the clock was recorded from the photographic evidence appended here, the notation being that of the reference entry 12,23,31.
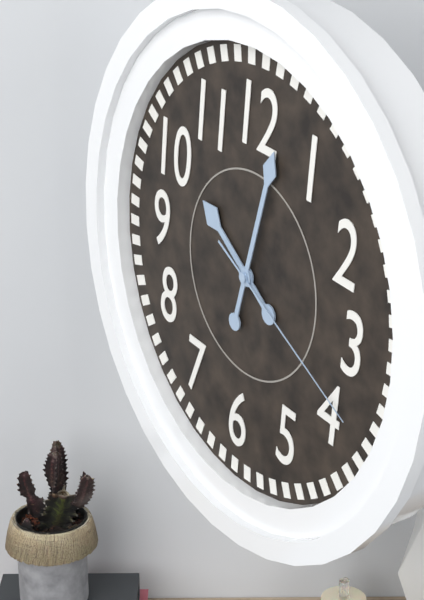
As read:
10,02,19
